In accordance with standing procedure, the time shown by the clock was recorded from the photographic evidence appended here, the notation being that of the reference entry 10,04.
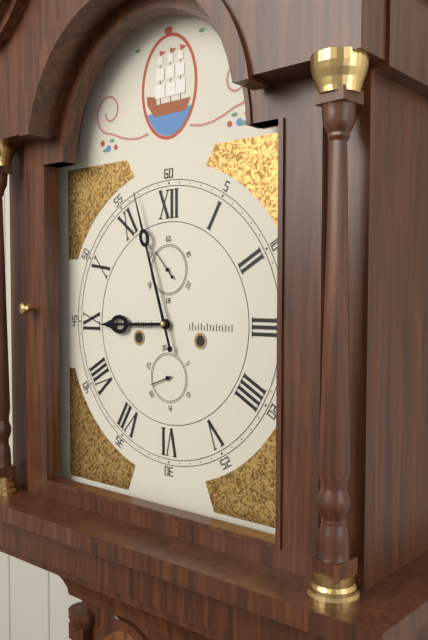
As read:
8,57
